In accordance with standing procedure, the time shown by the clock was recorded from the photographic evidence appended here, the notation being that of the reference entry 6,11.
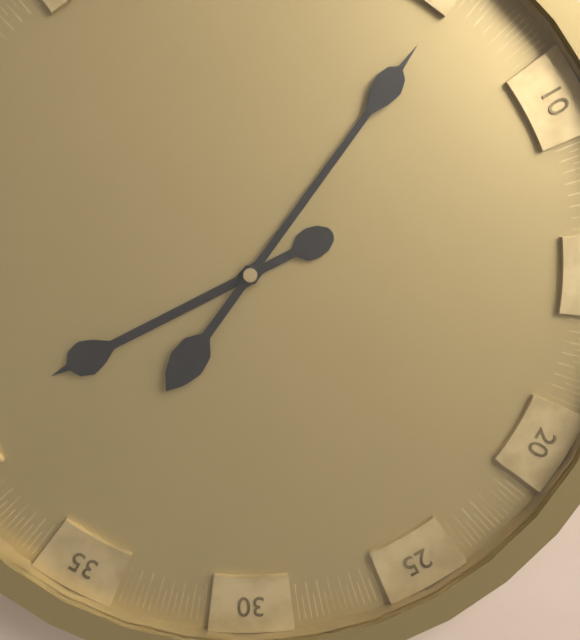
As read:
8,06
